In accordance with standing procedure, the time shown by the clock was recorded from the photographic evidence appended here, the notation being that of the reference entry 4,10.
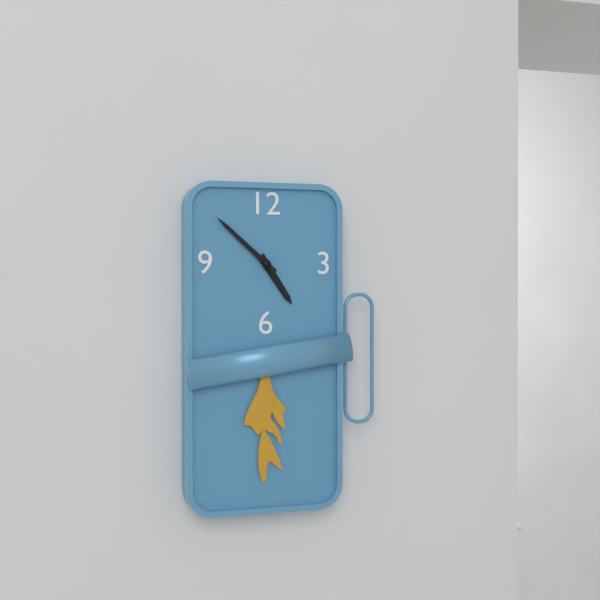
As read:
4,52
